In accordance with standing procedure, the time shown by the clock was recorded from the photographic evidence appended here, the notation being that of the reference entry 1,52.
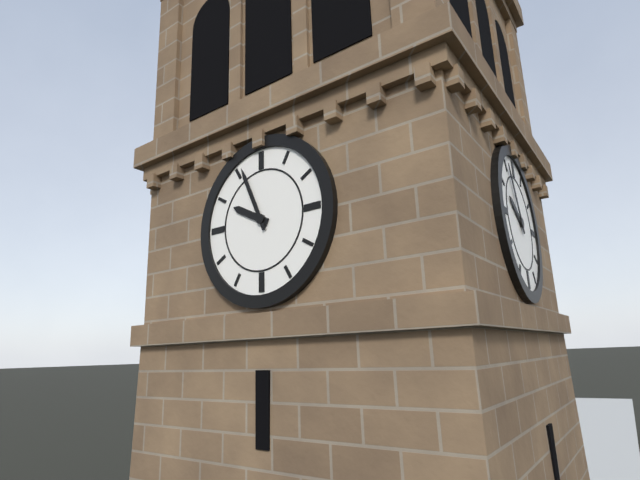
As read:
9,56
